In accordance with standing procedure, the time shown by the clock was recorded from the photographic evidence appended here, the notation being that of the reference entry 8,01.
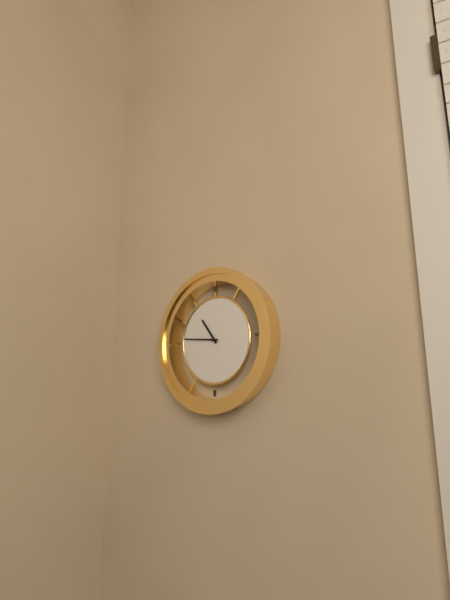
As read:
10,46
